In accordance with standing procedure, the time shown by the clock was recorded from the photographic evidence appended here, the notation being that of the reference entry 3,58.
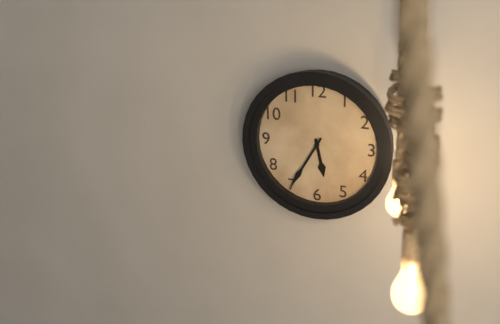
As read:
5,35
